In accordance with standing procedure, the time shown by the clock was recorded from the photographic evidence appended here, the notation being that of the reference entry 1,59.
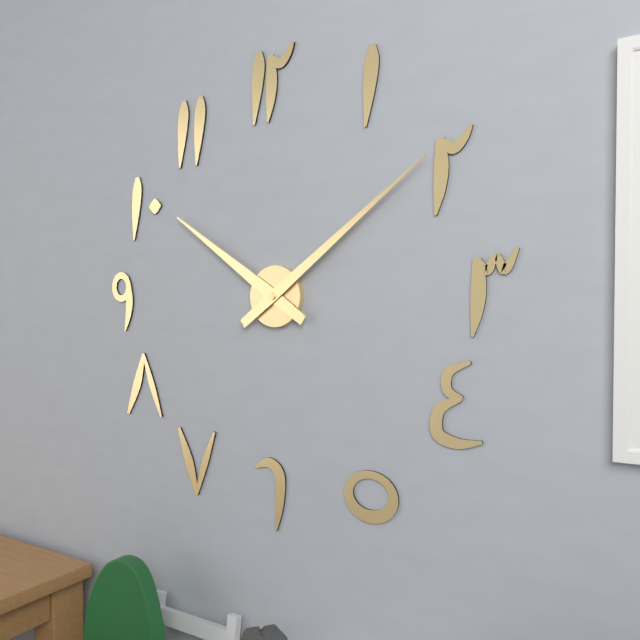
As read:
10,09
